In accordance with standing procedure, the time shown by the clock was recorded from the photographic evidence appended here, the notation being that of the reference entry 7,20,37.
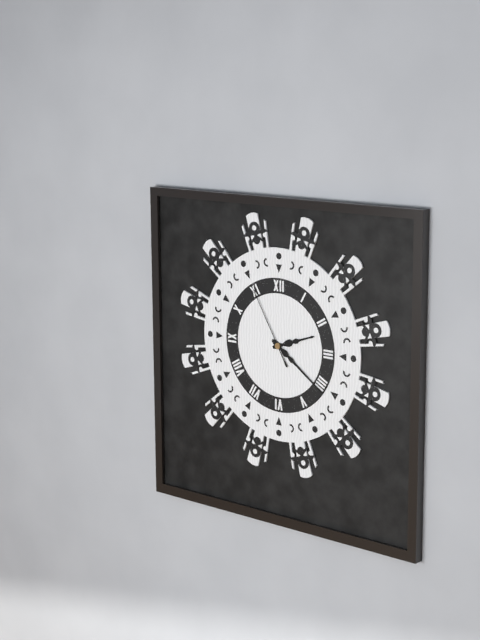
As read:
2,21,55
